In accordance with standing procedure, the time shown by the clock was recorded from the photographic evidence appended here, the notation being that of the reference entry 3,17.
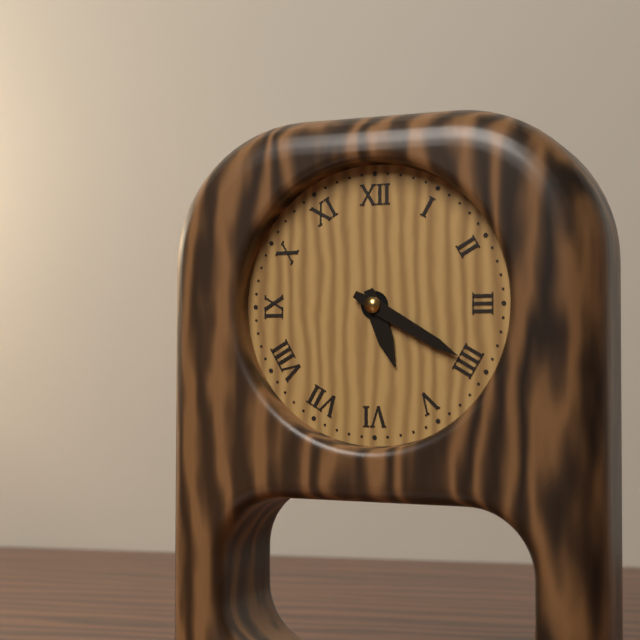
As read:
5,20
